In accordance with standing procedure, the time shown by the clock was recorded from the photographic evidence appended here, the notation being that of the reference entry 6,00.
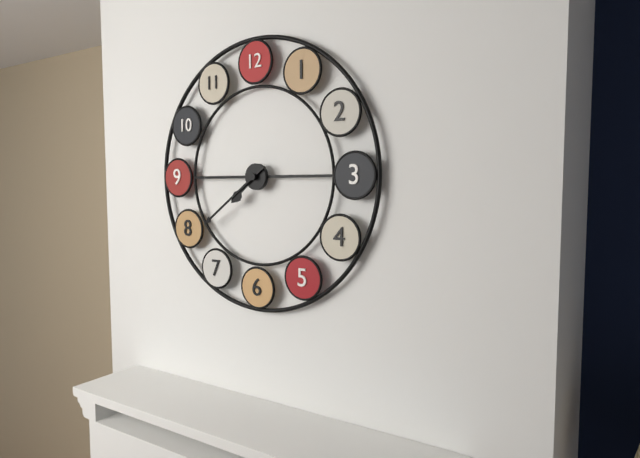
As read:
7,39
